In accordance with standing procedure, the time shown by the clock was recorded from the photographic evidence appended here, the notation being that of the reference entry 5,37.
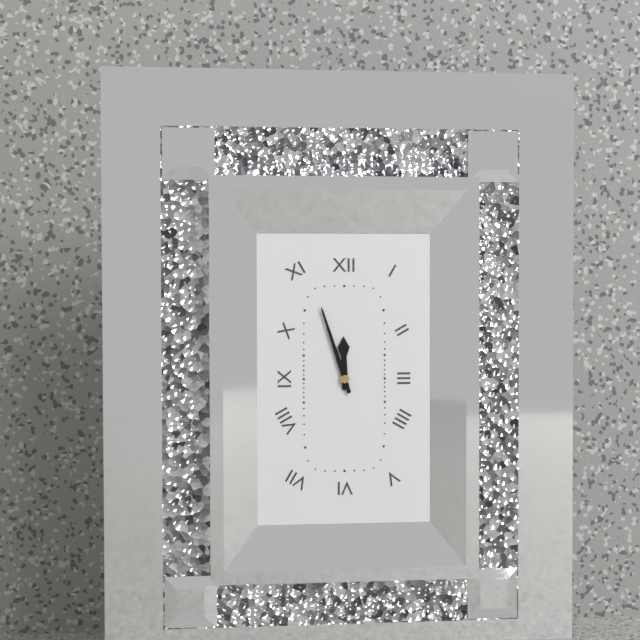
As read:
11,57
